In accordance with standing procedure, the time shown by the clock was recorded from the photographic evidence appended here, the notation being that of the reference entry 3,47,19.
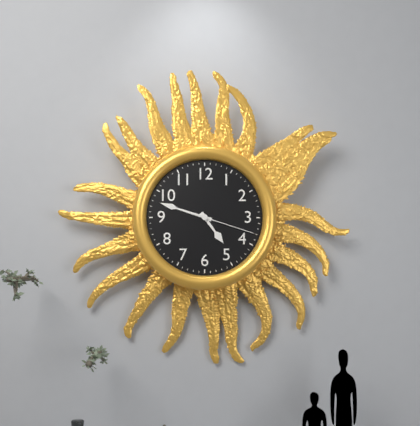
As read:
4,48,18
